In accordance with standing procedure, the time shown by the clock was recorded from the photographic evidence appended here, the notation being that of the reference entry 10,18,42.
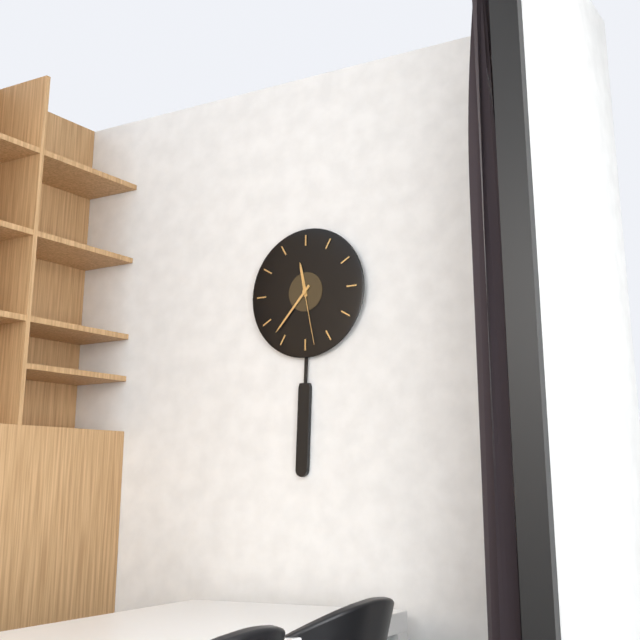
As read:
11,37,28
